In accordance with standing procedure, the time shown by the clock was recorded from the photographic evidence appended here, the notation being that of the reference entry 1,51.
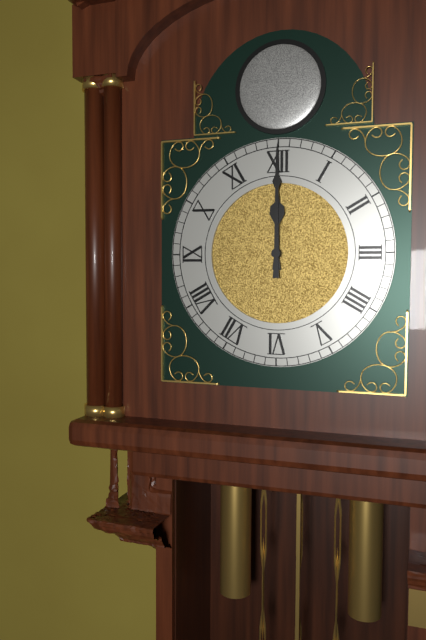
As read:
12,00
